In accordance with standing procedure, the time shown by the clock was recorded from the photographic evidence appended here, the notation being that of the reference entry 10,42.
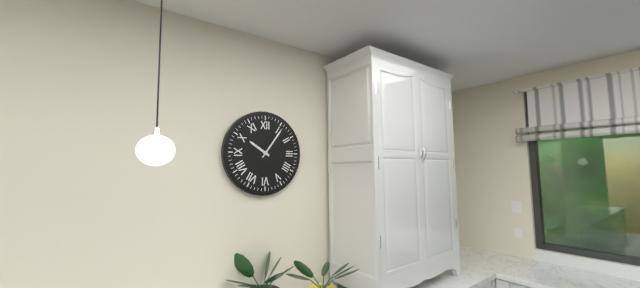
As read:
10,06
